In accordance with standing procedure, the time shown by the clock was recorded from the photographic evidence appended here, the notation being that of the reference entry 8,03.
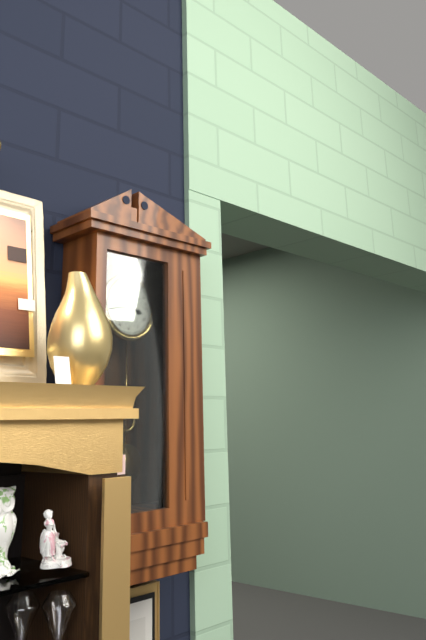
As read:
3,43
